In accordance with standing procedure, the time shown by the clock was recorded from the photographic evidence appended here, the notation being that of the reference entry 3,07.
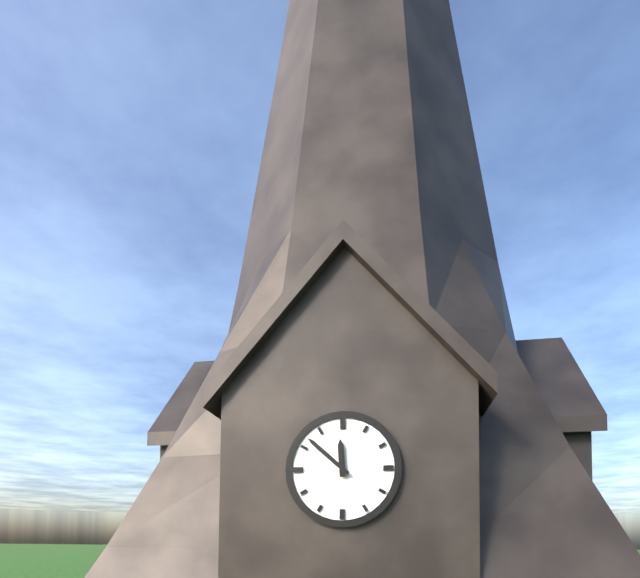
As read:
11,52
